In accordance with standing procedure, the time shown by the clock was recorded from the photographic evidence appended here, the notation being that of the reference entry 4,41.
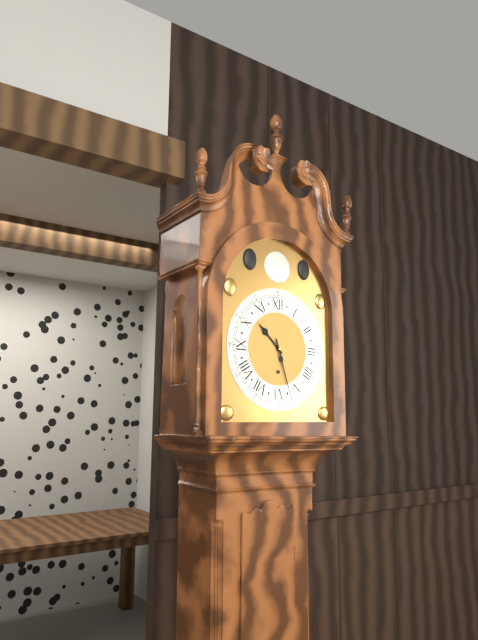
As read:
10,27
